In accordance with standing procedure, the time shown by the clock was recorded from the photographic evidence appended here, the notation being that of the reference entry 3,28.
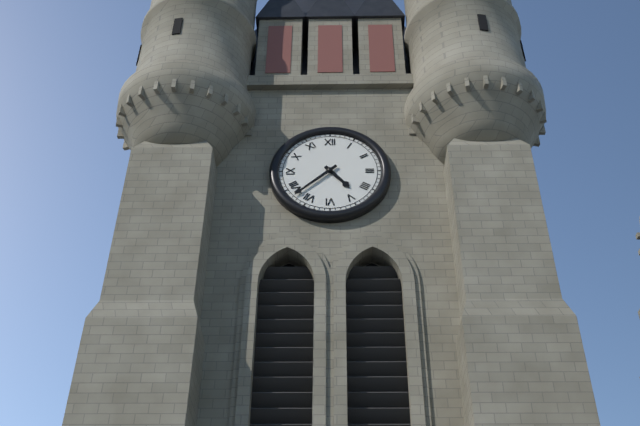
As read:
4,38
